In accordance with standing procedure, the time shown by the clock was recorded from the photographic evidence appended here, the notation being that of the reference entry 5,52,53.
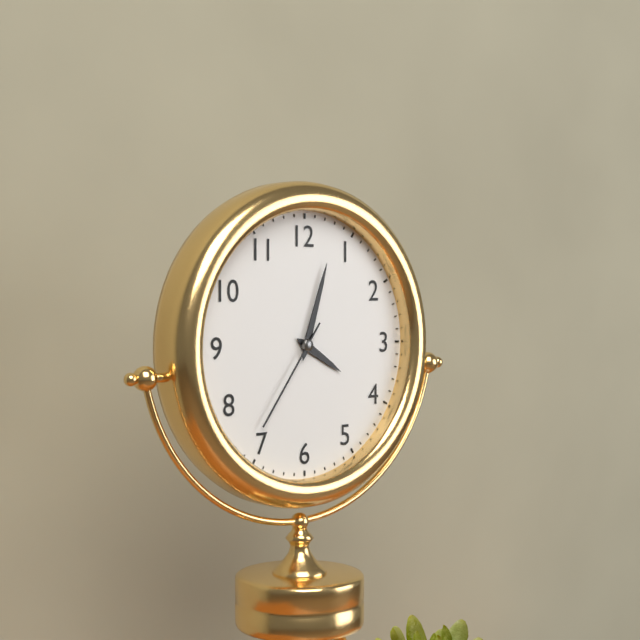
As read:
4,03,36
